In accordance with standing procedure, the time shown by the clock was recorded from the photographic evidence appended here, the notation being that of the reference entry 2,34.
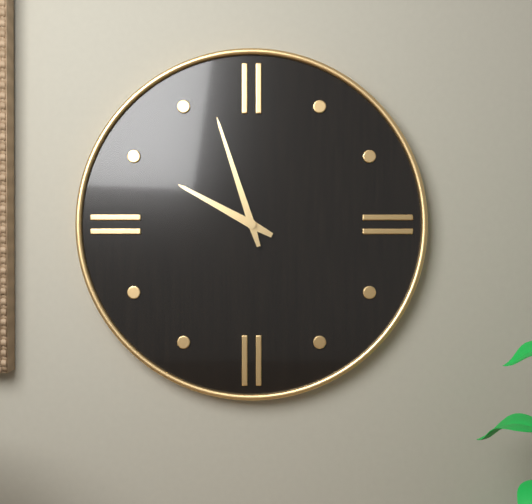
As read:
9,57
